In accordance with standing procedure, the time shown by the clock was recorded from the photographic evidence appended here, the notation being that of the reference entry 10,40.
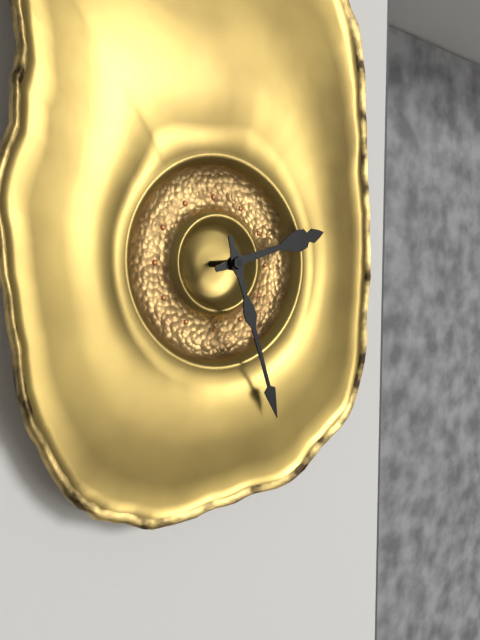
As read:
2,27
